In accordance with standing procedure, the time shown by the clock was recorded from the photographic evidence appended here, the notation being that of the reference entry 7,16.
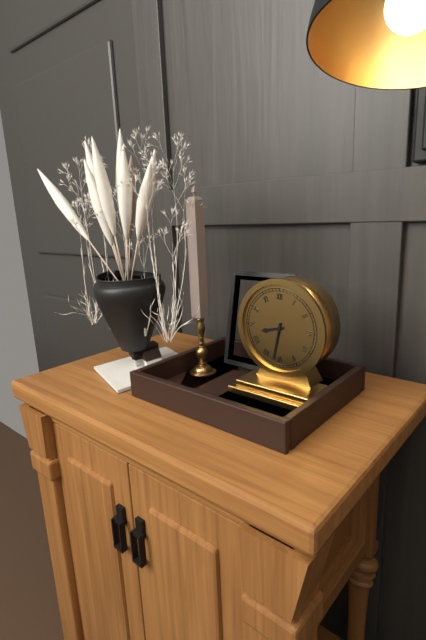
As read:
8,32
